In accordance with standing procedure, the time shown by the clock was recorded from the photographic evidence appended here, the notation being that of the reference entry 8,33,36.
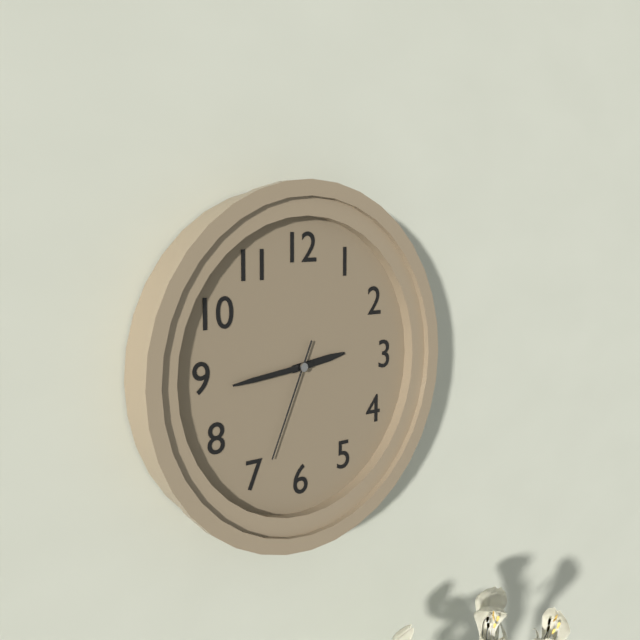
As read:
2,44,34
